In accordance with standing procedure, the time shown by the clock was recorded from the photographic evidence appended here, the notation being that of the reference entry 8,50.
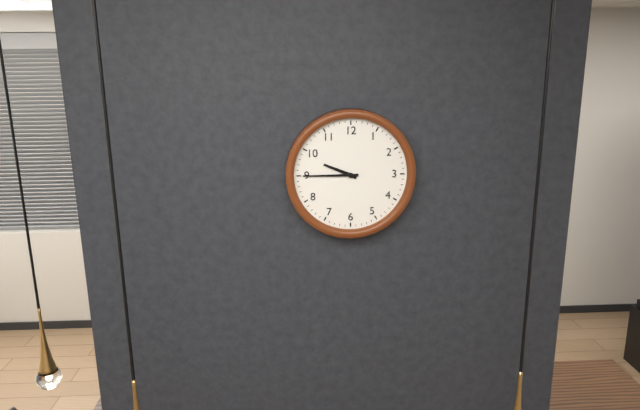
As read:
9,45
